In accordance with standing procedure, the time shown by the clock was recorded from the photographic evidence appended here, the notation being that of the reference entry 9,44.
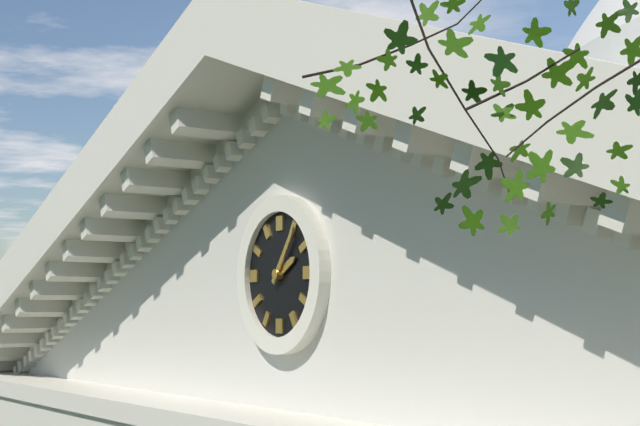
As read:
2,06
